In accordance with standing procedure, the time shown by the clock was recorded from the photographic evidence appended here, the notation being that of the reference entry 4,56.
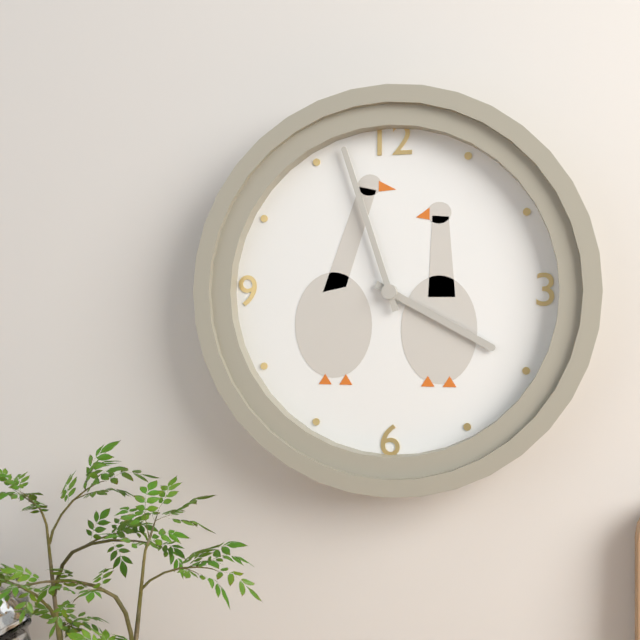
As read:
3,57
